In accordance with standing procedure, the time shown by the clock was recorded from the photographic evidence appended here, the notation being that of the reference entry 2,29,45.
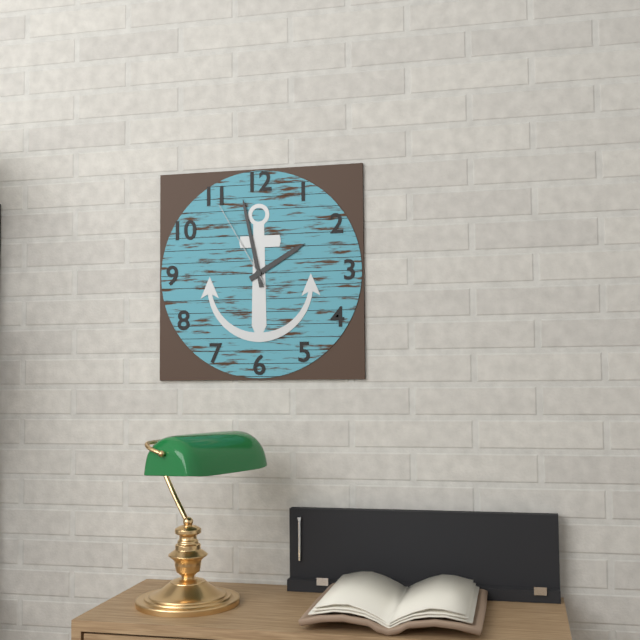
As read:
1,58,55
